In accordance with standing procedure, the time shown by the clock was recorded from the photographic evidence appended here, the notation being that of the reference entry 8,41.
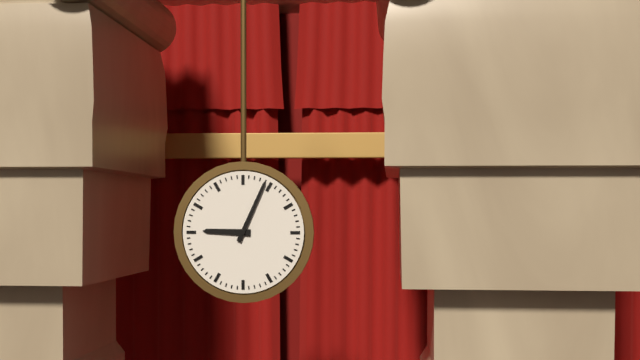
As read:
9,04
